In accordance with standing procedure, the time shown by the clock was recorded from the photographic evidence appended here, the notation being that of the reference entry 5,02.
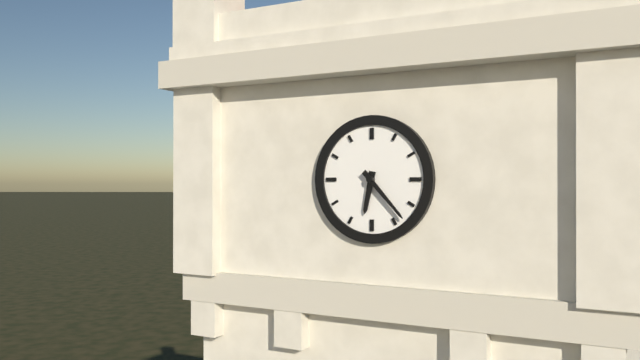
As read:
6,23
